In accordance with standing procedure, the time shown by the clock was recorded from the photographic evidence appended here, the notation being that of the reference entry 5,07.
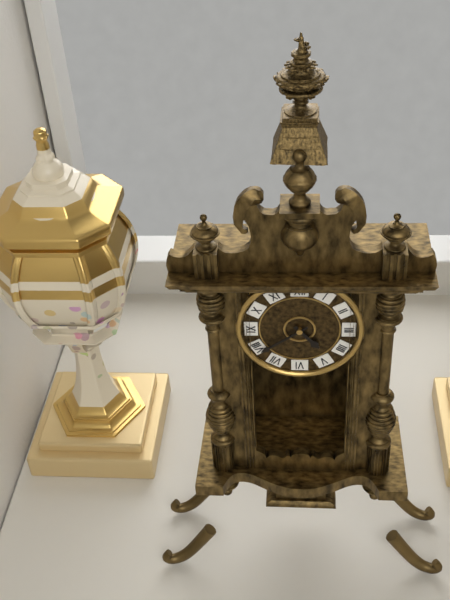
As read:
4,39
